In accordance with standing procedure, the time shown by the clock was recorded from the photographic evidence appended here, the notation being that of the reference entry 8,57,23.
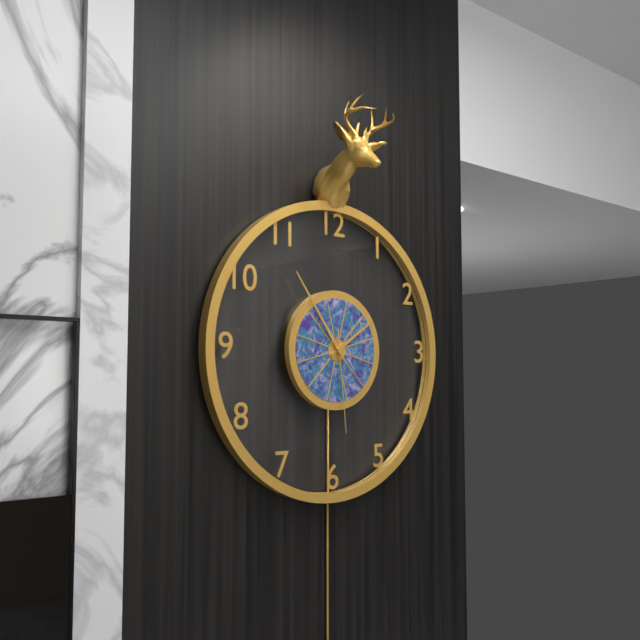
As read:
1,54,29
